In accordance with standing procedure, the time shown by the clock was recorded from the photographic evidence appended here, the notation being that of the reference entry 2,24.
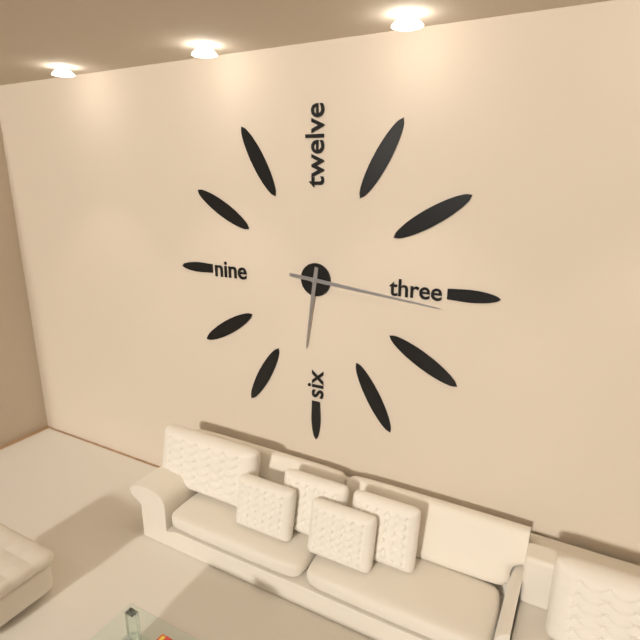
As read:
6,16
